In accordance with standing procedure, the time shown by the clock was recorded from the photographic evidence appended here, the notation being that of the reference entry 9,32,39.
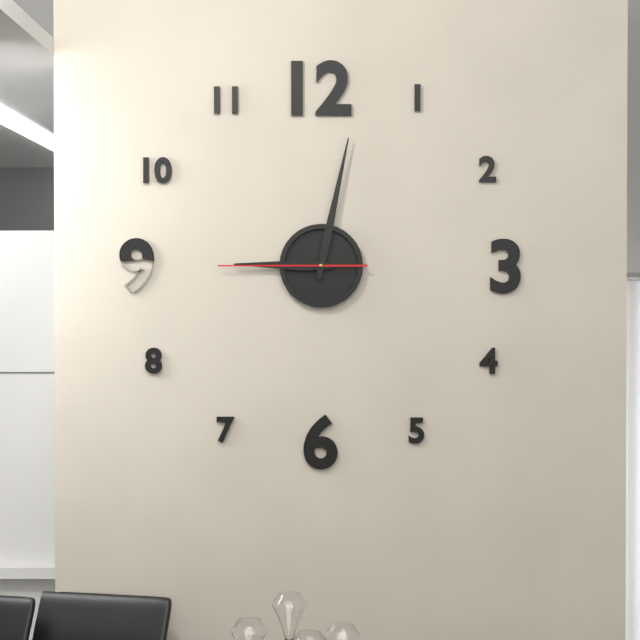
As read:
9,02,45
